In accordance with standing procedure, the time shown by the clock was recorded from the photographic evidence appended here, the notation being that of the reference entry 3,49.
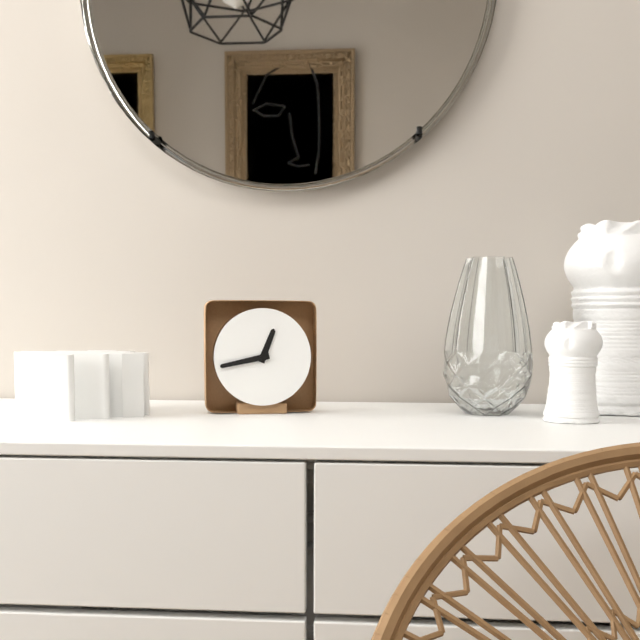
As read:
12,43
